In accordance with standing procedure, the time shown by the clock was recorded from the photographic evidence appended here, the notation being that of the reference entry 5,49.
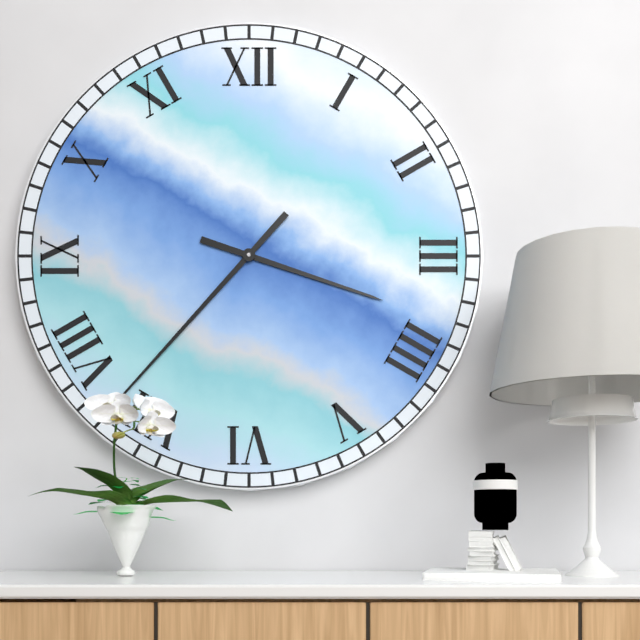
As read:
3,37
